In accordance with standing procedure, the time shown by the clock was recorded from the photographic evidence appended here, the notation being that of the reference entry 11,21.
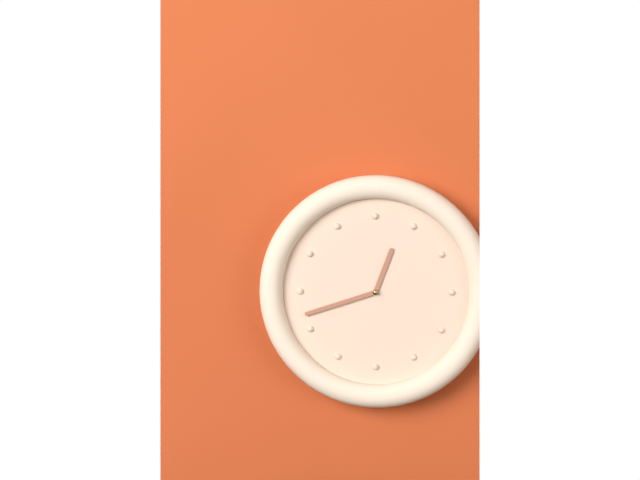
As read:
12,42
